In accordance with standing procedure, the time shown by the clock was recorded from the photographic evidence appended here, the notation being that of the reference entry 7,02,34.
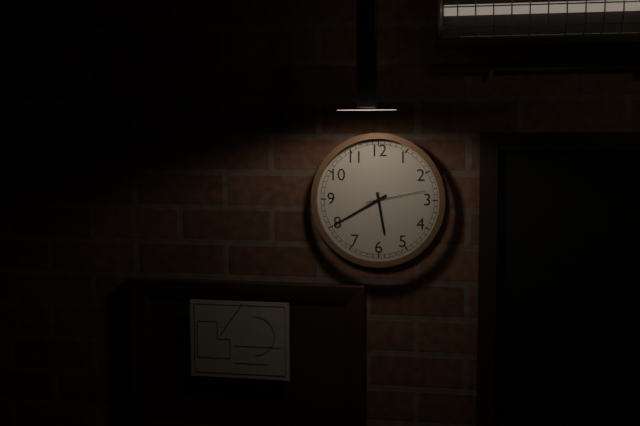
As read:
5,40,13
